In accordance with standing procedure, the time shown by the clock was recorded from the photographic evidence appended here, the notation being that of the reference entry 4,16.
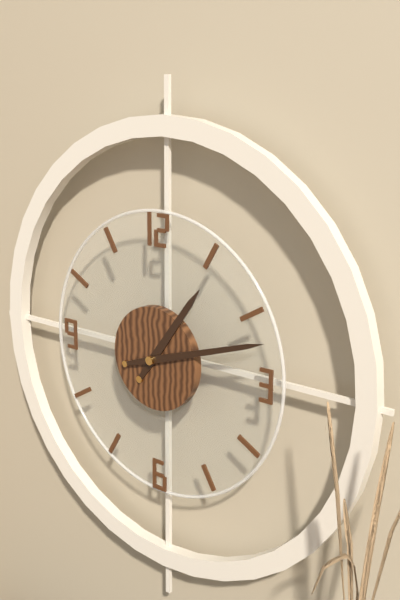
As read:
1,12
